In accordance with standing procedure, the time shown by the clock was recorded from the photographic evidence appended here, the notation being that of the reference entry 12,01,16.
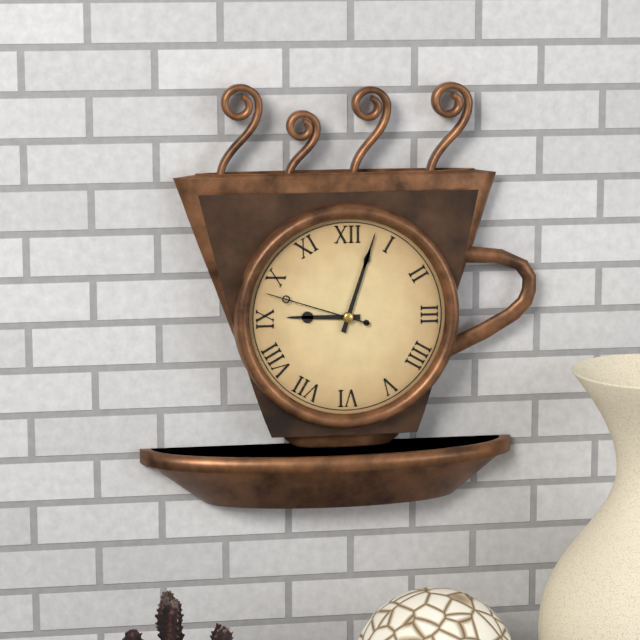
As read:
9,03,48
